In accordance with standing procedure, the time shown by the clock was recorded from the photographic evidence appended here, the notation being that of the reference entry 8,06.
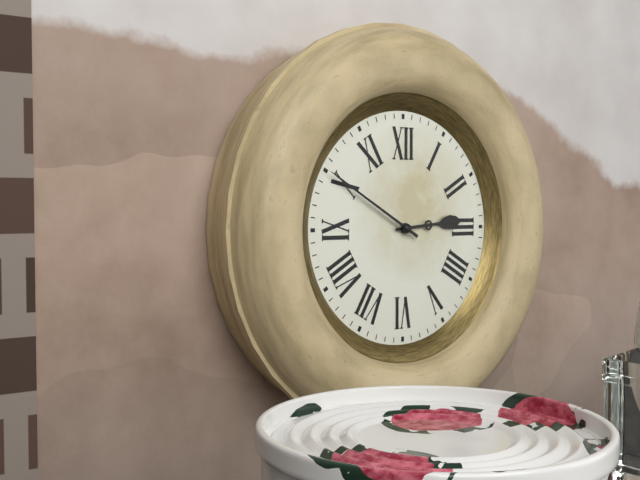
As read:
2,50
